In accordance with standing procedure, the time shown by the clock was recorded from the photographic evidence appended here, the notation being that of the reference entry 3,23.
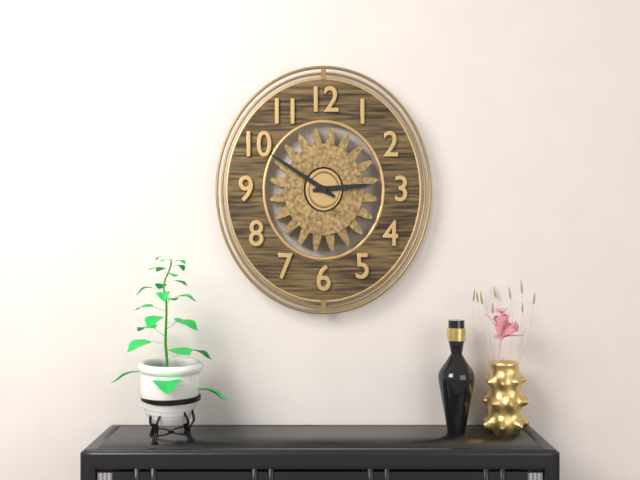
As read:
2,50
